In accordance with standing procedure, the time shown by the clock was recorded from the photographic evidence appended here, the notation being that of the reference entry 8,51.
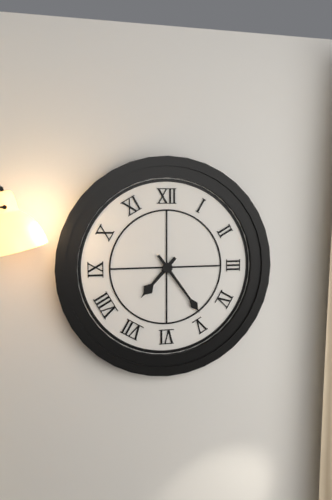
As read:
7,24
